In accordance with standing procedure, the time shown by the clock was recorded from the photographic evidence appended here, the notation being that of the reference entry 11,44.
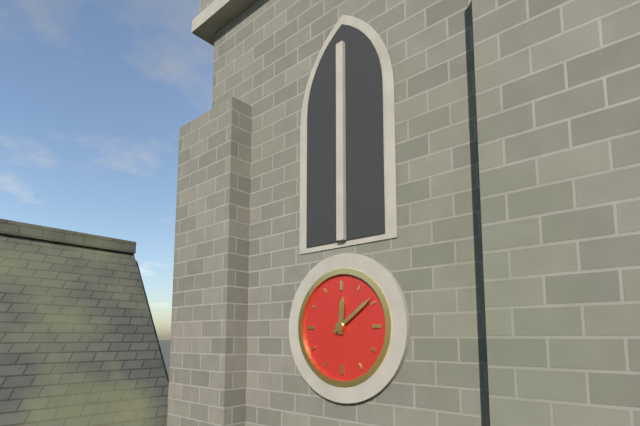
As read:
12,09
